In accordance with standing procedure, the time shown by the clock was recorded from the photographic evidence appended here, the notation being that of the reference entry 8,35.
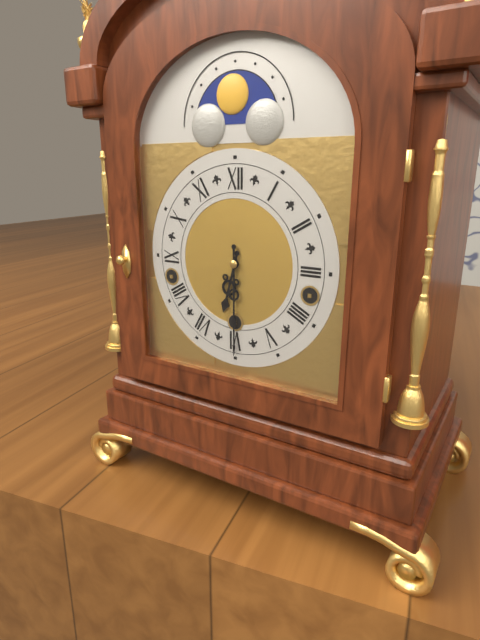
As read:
6,30
